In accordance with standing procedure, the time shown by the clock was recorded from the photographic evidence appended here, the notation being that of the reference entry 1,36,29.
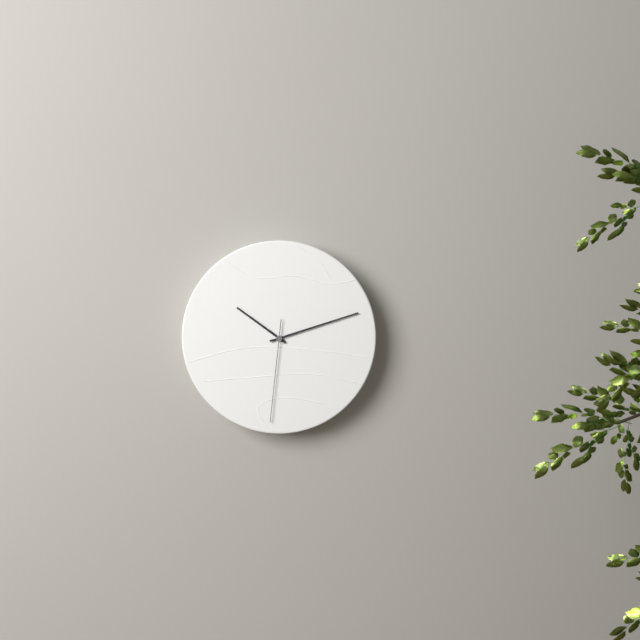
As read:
10,12,31
